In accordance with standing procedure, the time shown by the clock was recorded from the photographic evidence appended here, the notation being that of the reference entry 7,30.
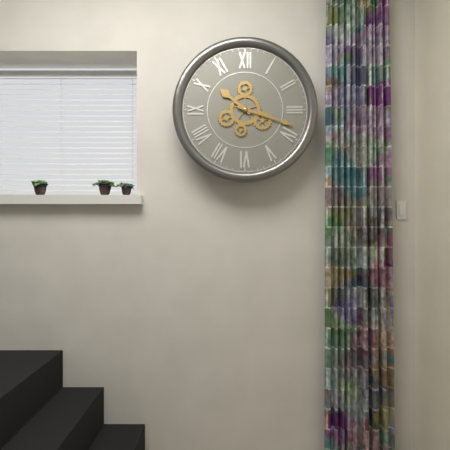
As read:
10,18
